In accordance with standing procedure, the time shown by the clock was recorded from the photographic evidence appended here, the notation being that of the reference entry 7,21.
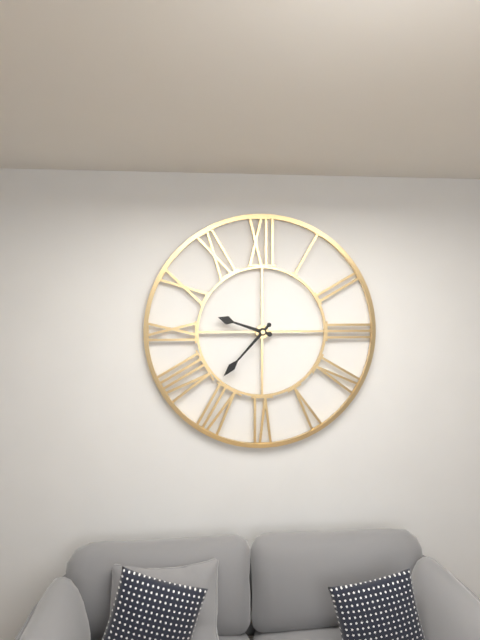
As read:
9,37
